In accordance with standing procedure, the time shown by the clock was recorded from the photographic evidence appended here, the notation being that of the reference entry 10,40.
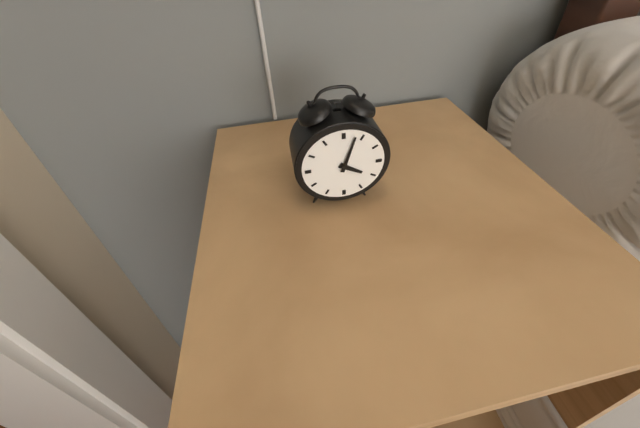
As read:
4,03
